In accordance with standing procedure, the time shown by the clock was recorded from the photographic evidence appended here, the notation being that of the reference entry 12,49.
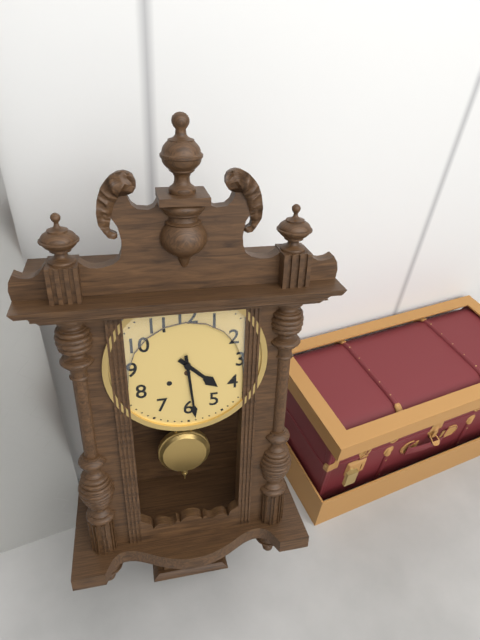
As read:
4,29
